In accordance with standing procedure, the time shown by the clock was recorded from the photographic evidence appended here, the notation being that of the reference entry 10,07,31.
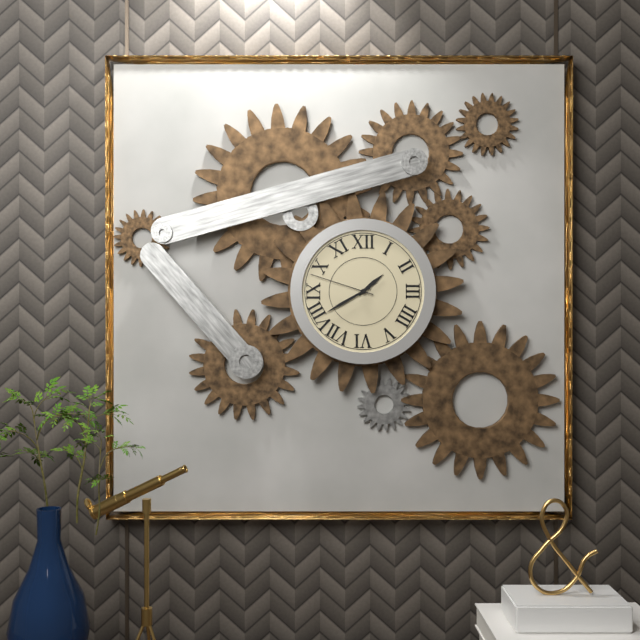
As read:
1,40,48
